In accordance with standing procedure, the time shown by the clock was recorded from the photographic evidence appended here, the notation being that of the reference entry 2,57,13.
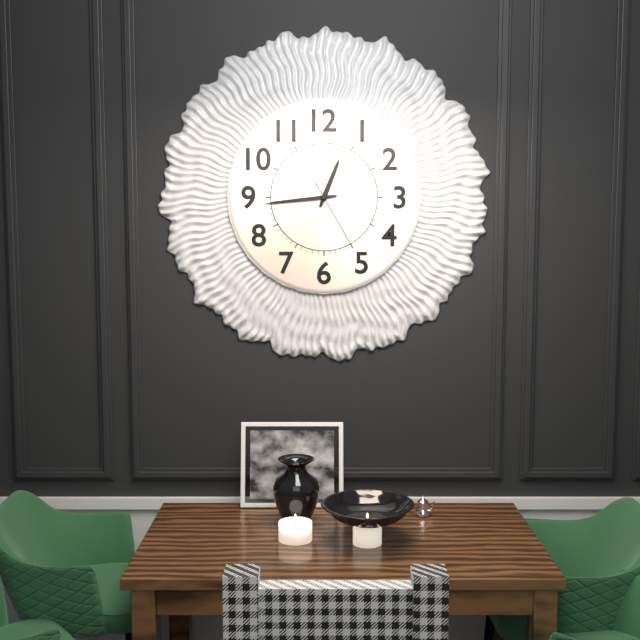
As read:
12,44,25
